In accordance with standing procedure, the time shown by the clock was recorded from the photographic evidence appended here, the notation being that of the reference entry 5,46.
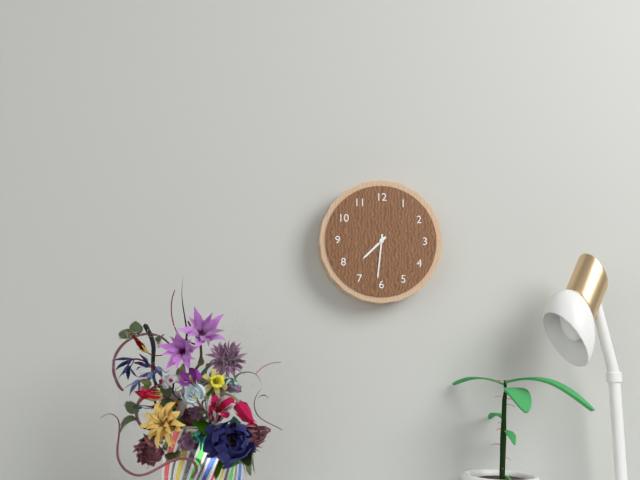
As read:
7,31
